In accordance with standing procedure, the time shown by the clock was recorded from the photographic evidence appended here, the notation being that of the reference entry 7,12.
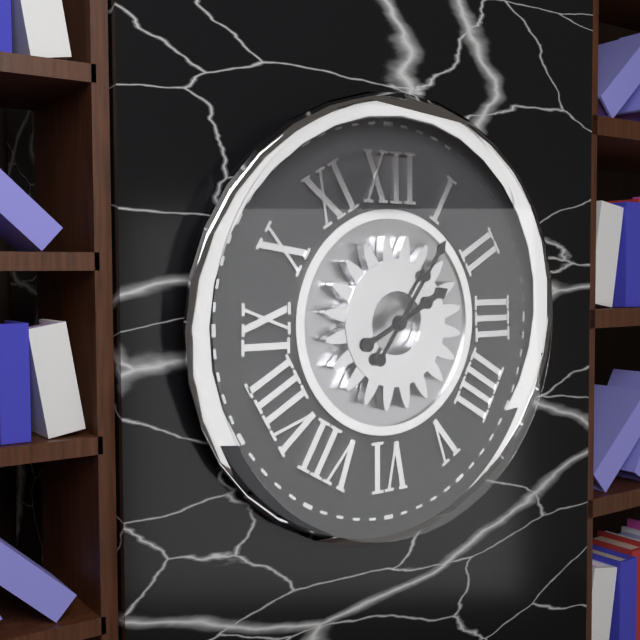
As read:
2,06
